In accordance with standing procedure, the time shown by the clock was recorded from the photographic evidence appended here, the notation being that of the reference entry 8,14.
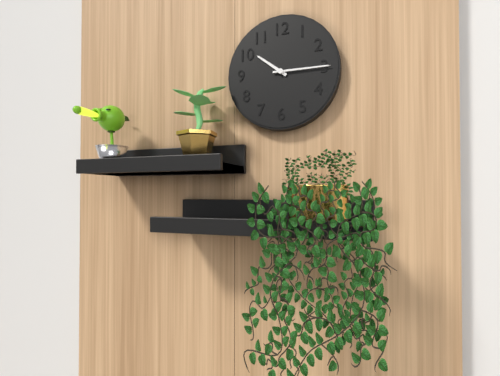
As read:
10,15
